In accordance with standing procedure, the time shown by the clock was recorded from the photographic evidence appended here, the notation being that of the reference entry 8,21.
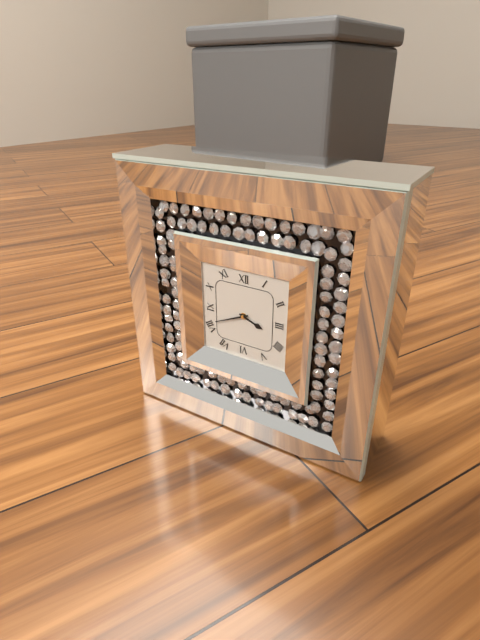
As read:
3,41
